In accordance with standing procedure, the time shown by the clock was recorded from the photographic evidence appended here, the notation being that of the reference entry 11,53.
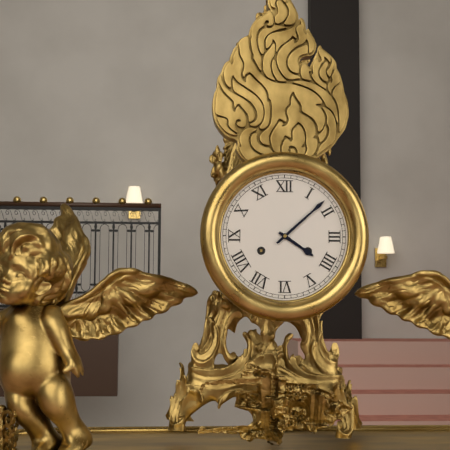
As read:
4,08
